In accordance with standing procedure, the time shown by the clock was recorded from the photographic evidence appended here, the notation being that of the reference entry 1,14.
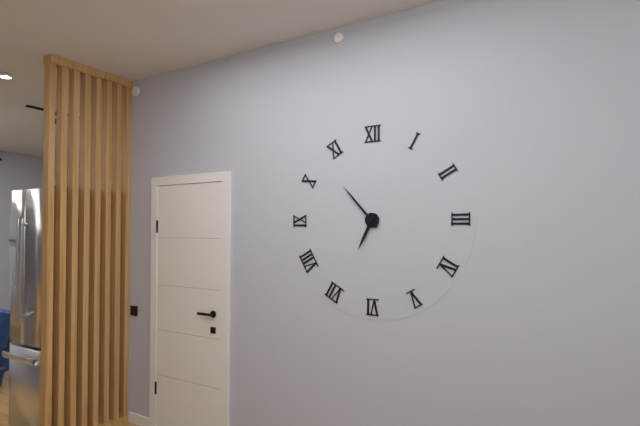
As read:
6,53
